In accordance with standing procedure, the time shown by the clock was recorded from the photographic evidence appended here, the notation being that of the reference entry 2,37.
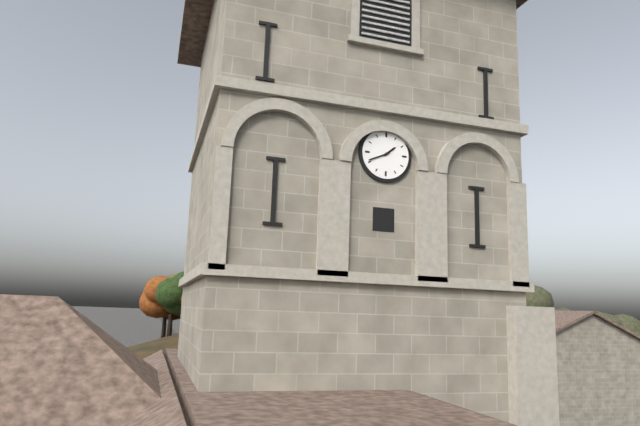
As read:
1,41
